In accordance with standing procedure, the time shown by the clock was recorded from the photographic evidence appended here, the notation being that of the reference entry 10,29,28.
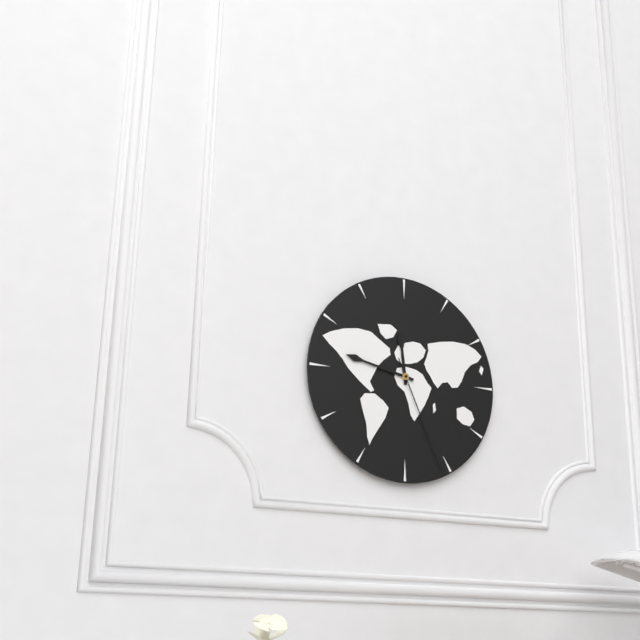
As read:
11,47,26
